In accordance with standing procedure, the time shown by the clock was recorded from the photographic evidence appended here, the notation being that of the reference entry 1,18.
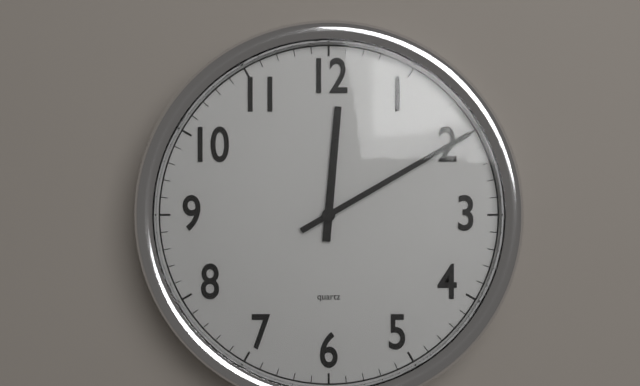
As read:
12,10
